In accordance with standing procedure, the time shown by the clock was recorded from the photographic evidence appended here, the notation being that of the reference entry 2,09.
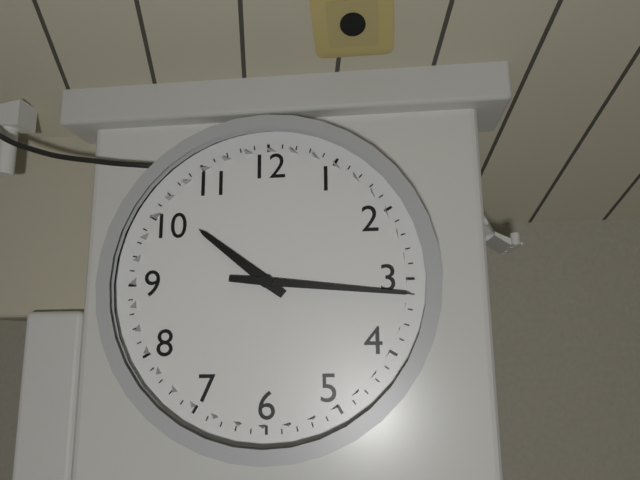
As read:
10,16
